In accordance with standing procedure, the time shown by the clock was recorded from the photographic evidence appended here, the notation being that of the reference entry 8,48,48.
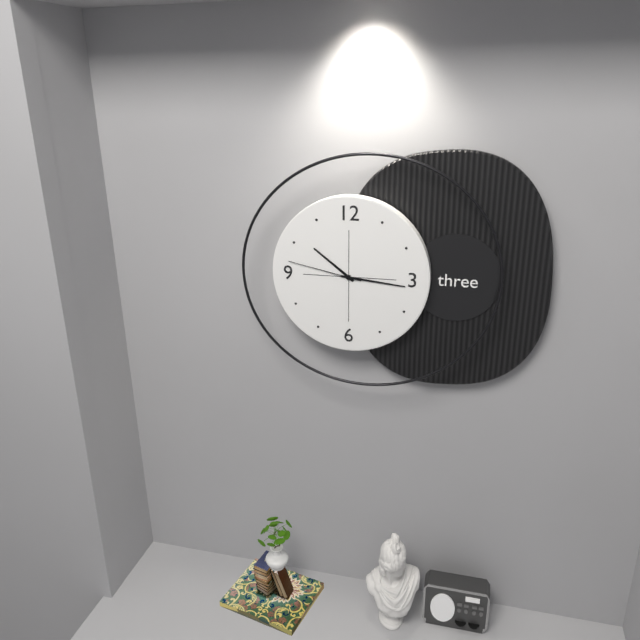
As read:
10,16,47
